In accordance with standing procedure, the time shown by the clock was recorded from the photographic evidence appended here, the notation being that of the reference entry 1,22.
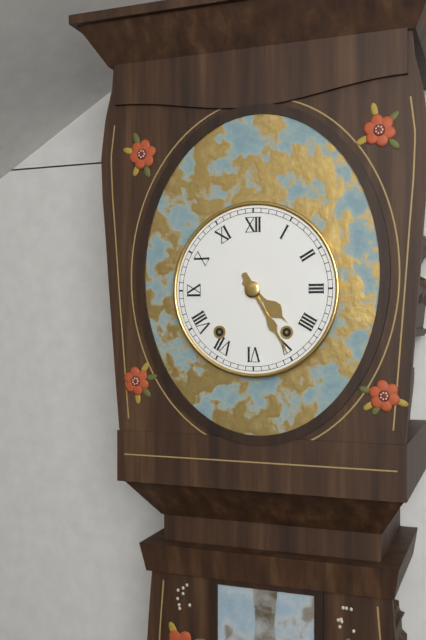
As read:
4,25
